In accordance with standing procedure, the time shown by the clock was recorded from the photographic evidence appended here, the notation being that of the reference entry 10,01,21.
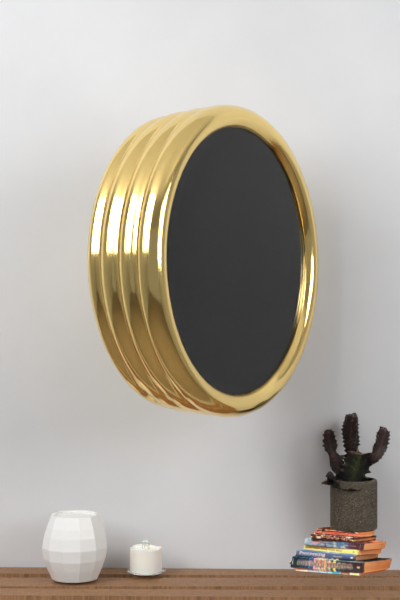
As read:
12,34,52
